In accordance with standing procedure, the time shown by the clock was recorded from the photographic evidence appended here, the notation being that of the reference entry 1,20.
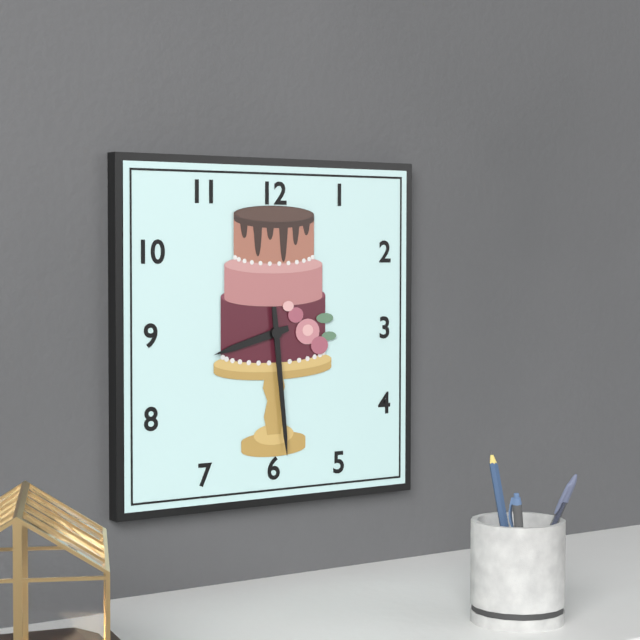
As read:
8,29
